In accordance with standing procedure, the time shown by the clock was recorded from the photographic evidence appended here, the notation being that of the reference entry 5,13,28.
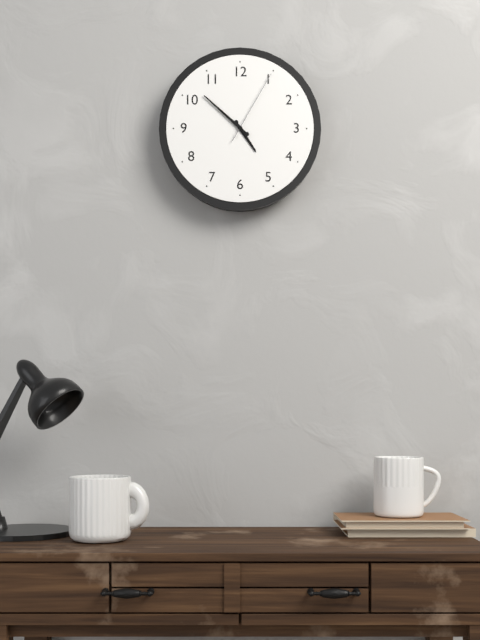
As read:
4,52,05
